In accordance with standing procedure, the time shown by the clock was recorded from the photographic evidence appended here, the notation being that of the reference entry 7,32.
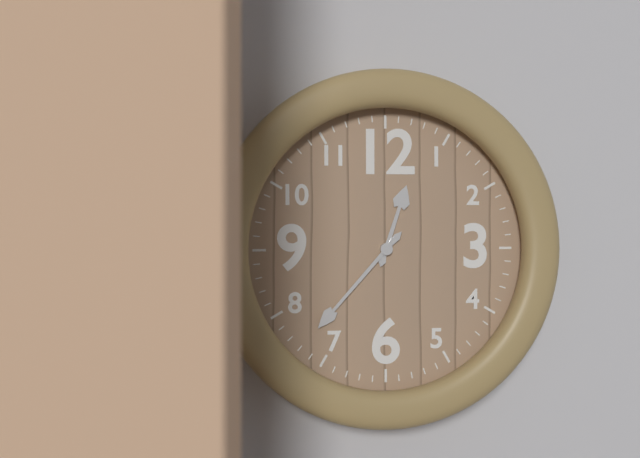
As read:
12,37
